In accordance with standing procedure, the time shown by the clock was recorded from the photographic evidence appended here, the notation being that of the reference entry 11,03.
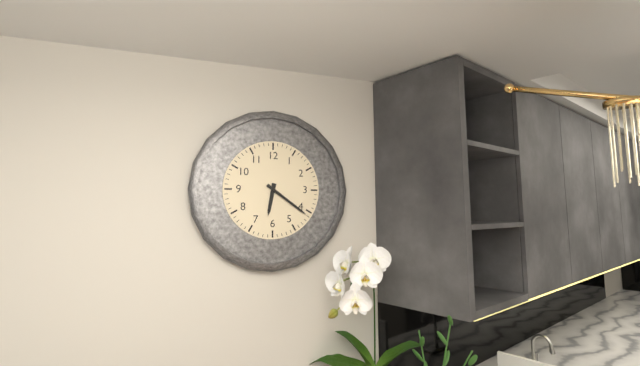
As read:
6,21
